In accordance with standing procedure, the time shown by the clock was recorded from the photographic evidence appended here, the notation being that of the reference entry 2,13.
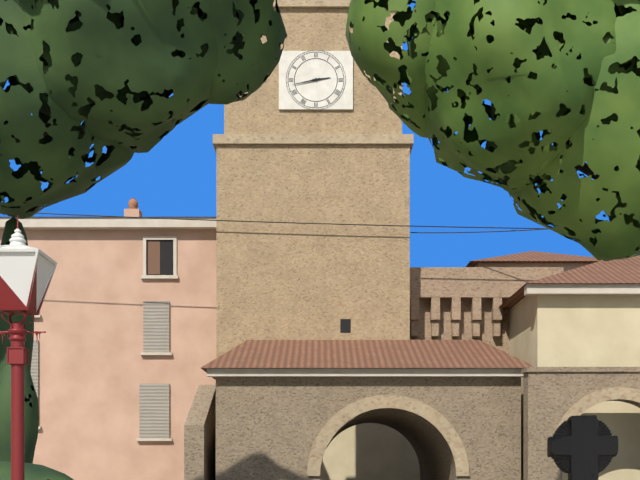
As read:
2,43
